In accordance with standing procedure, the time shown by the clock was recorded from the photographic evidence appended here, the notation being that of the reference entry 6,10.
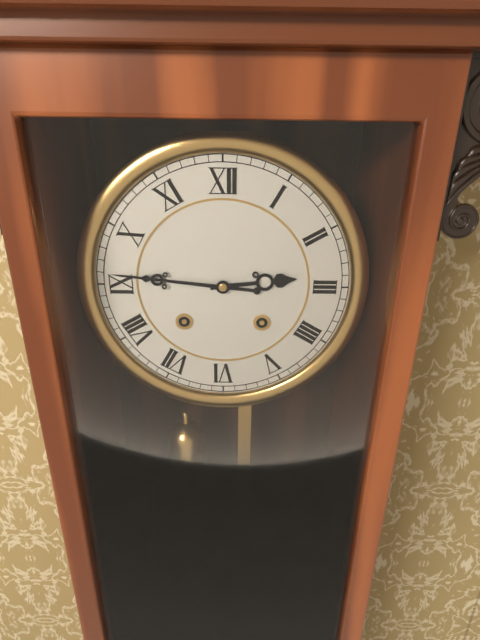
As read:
2,46
